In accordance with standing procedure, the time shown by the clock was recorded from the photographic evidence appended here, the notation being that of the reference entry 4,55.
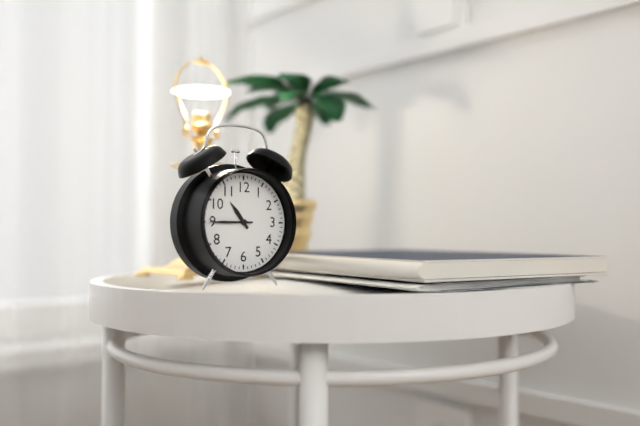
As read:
10,45
